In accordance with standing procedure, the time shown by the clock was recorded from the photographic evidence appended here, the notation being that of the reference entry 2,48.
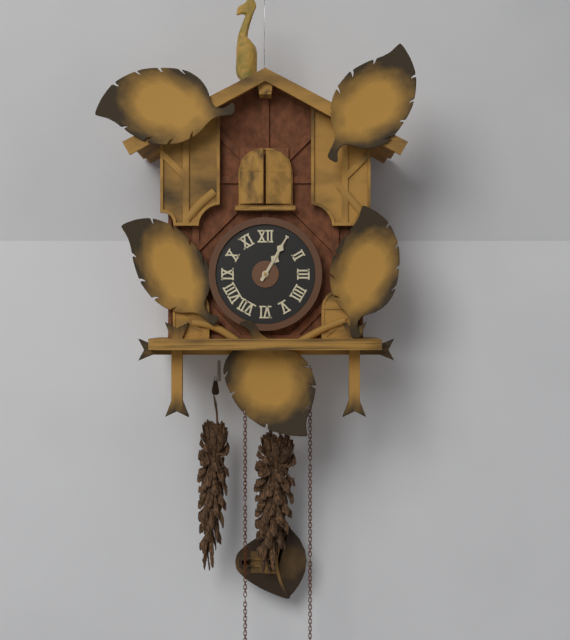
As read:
1,05
